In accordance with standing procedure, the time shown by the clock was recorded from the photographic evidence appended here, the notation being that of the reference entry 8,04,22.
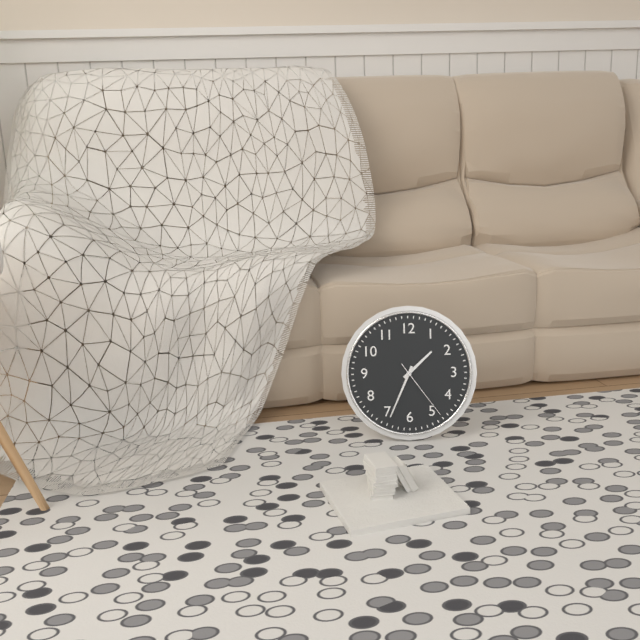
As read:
1,34,24
